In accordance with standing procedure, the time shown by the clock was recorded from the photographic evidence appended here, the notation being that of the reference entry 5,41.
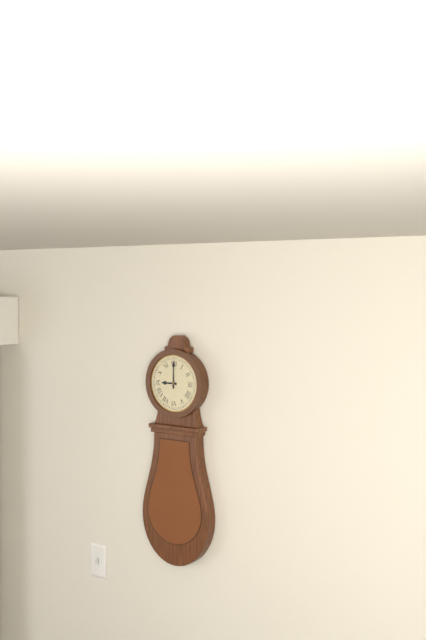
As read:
9,00
